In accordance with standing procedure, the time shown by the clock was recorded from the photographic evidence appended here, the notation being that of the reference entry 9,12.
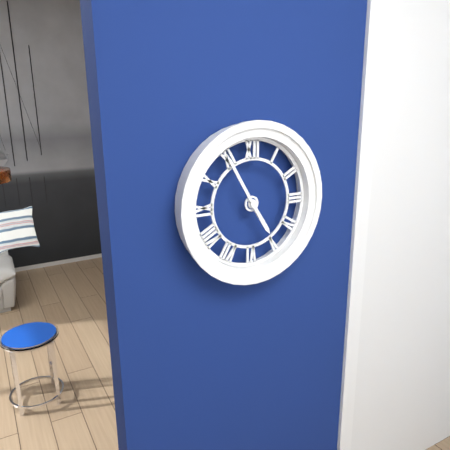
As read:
4,55
